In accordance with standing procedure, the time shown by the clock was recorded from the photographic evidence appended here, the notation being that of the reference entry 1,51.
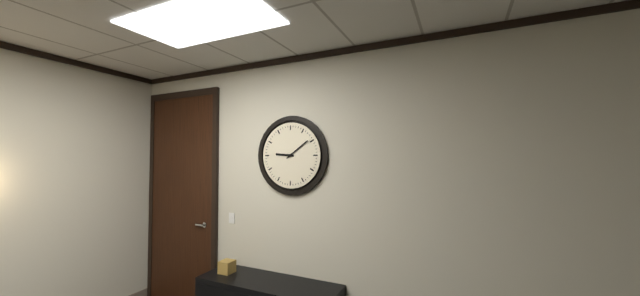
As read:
9,09
